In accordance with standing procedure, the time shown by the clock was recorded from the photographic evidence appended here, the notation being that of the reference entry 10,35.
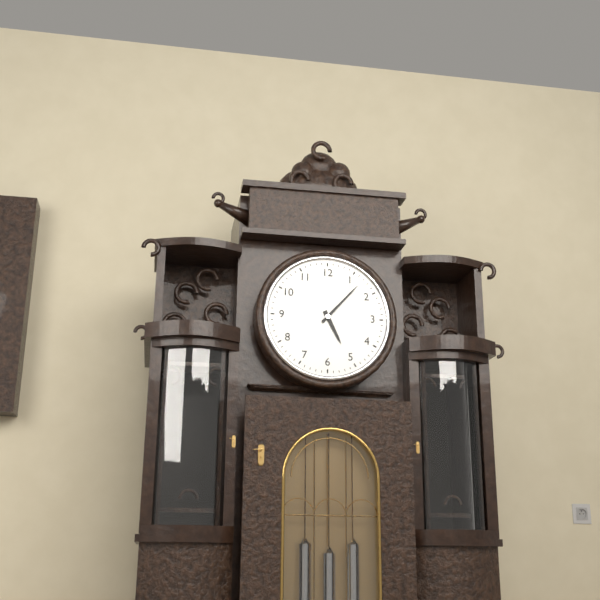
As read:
5,07
